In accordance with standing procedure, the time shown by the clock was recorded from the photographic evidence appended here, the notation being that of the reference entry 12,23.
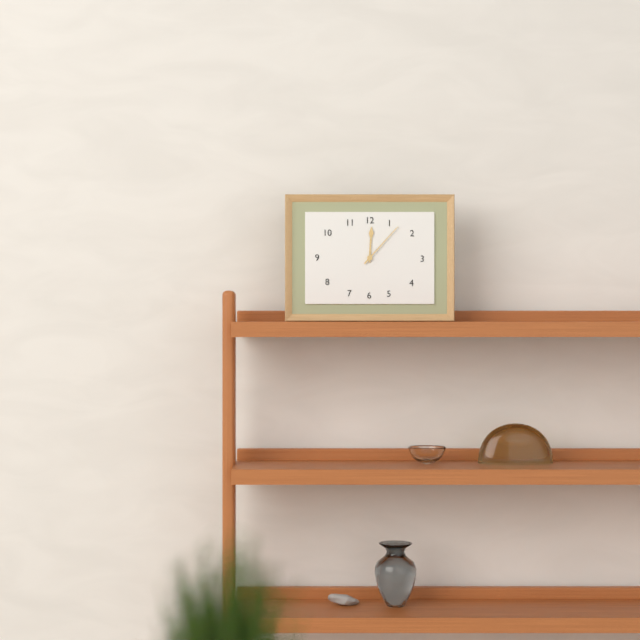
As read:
12,07
